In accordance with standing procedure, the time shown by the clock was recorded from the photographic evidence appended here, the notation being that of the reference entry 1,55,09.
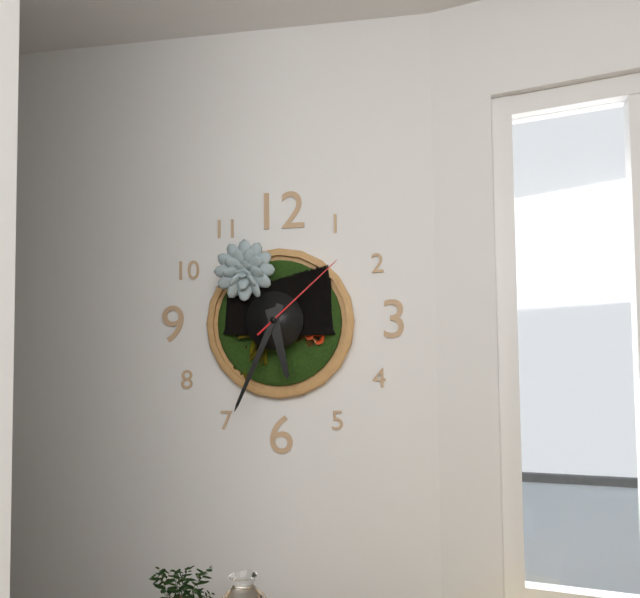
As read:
5,34,08
